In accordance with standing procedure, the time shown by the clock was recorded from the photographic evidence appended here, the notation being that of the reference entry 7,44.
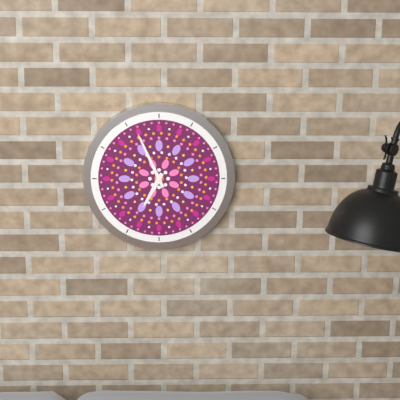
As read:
6,56
